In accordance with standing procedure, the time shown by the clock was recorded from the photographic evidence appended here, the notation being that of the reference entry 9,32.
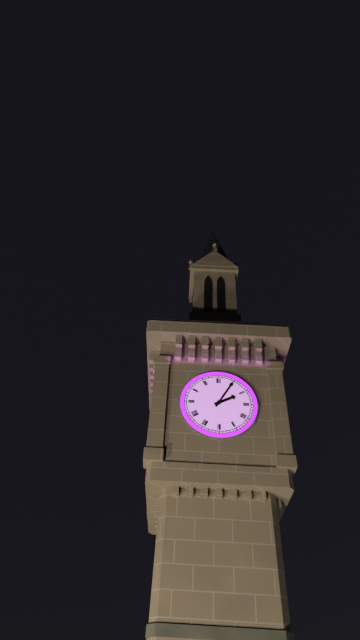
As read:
2,05
